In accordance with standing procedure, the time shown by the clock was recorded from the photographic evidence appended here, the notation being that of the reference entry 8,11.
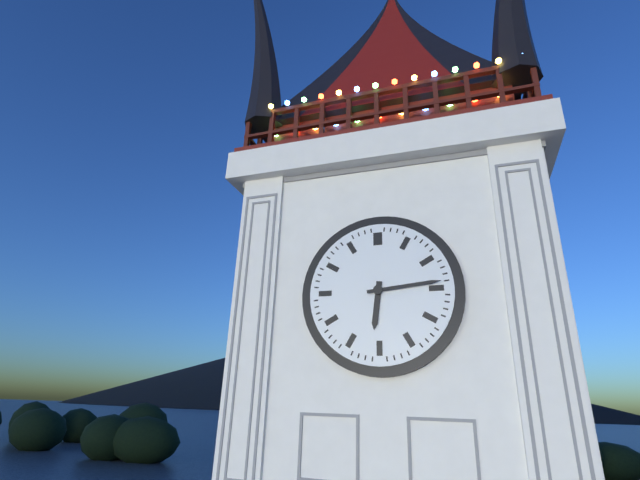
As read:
6,14
